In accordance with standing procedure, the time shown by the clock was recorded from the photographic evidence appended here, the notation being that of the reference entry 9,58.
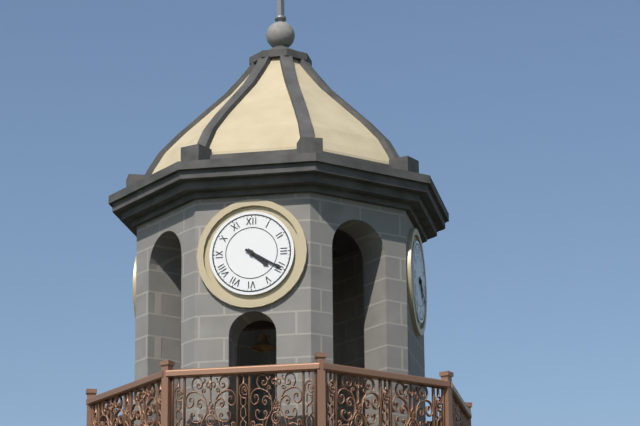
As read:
4,20
